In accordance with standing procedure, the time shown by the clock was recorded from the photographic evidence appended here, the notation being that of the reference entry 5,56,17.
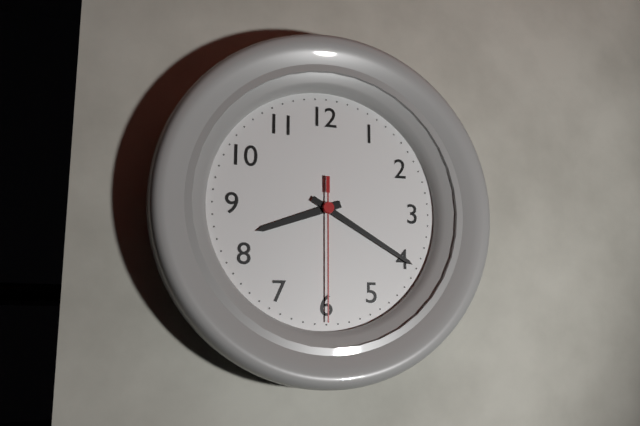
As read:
8,20,30
